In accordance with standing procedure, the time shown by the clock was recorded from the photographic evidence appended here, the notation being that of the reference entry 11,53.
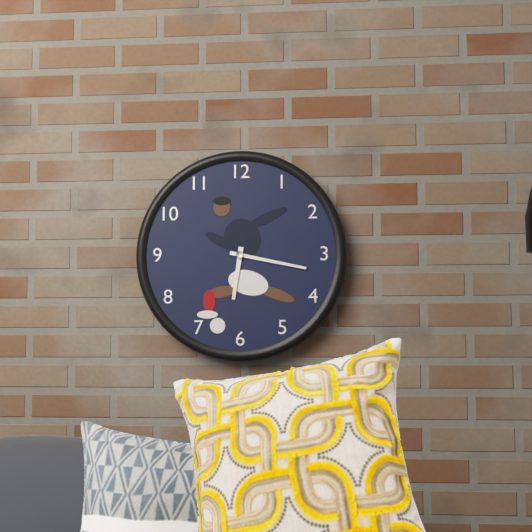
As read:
6,17
